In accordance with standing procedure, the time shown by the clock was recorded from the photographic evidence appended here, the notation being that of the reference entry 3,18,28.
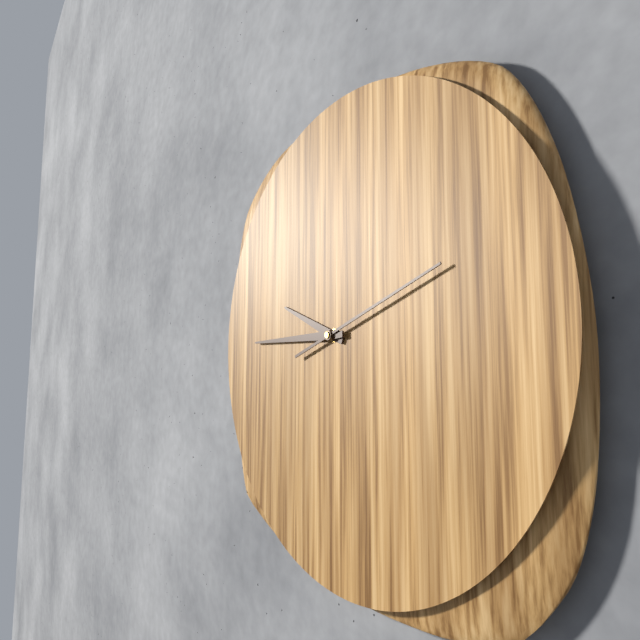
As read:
9,45,12
